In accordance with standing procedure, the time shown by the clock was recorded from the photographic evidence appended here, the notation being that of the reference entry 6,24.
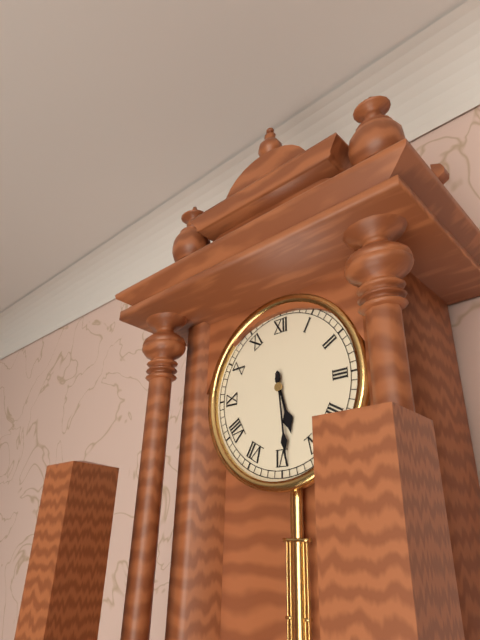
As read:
5,29
